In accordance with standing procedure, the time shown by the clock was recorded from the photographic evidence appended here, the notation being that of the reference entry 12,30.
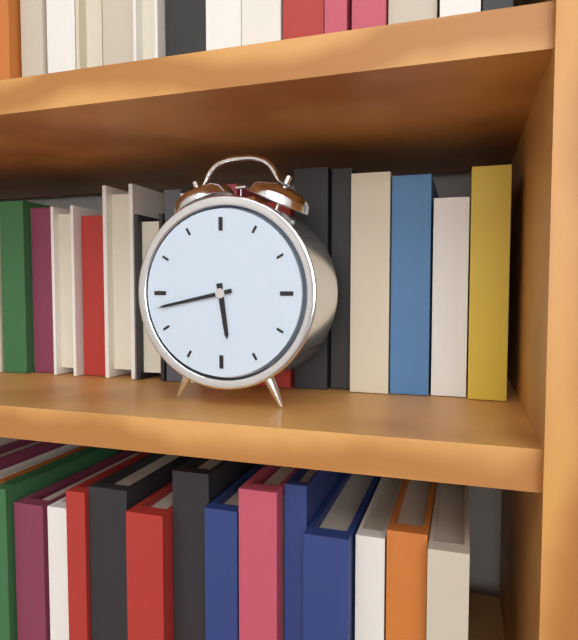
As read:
5,43
